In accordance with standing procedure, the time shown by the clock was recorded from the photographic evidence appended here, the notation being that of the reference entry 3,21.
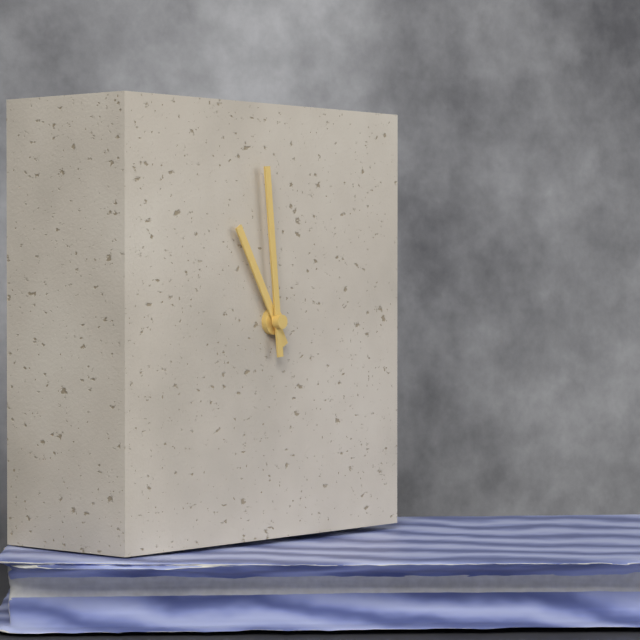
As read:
10,59
